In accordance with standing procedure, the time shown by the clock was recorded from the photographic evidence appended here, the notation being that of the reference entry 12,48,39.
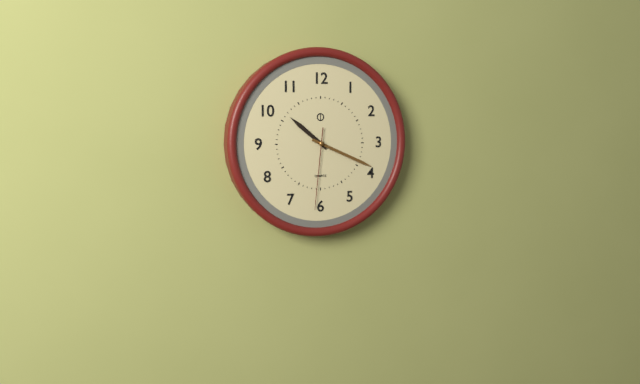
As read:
10,19,31
